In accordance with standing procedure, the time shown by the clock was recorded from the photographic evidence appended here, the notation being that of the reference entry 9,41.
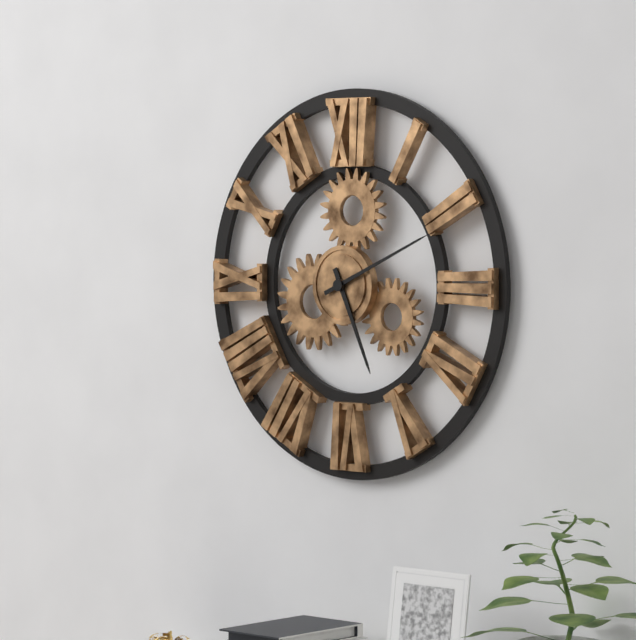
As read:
5,11
